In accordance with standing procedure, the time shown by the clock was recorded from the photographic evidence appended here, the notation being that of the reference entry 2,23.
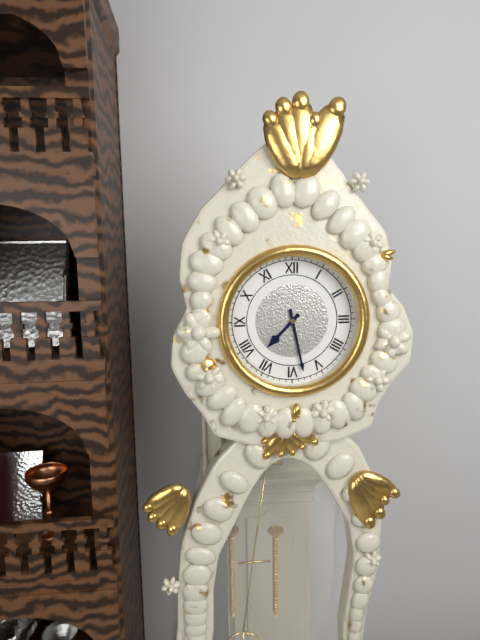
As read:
7,28
